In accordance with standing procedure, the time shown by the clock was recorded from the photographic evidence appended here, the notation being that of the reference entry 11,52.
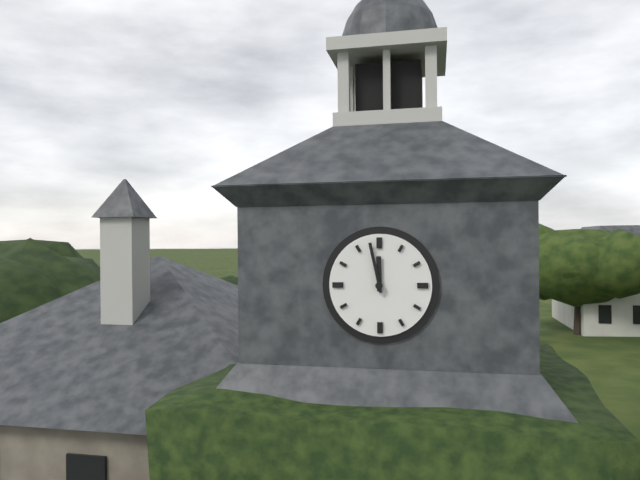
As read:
11,58
